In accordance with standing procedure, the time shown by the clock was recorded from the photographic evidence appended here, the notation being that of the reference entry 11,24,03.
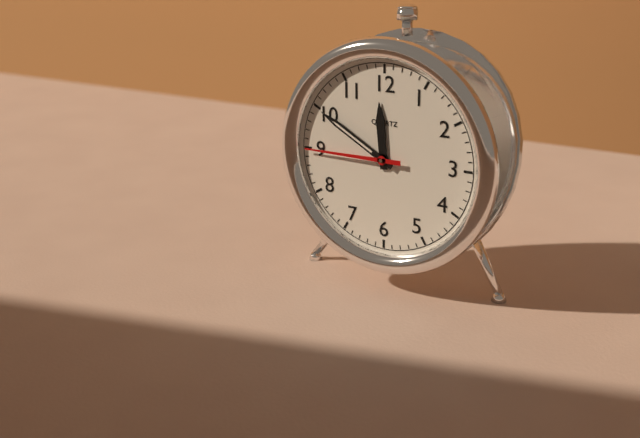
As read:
11,50,45
